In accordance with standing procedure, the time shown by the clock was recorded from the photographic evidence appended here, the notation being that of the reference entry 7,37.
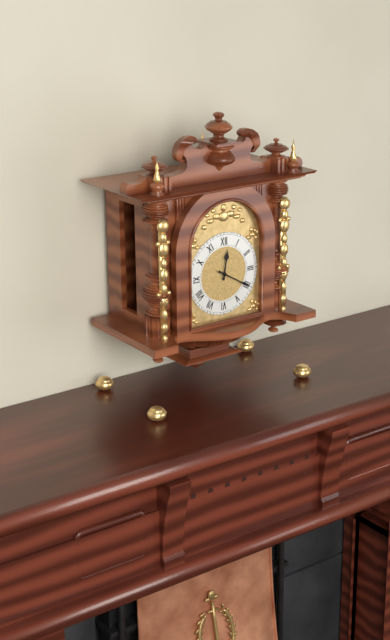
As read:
12,20
